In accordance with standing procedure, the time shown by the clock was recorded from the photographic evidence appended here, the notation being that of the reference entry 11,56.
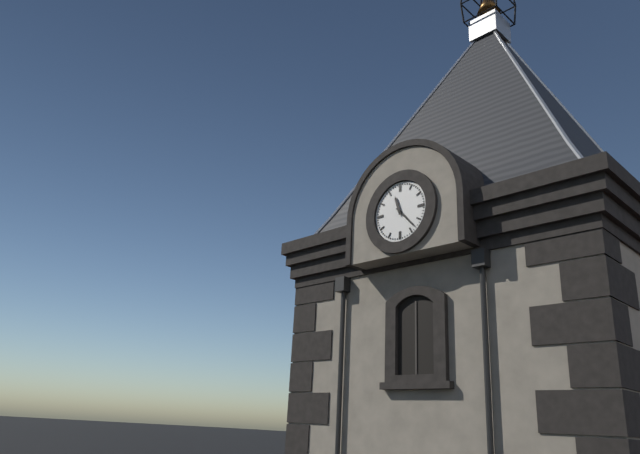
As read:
11,23
